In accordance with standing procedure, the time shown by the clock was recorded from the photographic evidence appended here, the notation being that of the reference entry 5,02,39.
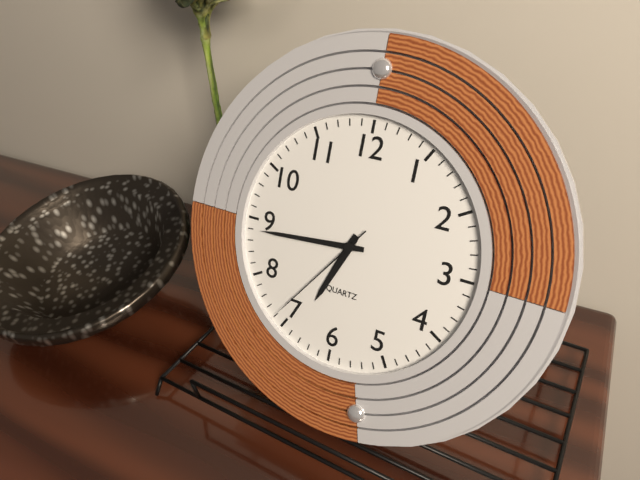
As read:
6,44,36
